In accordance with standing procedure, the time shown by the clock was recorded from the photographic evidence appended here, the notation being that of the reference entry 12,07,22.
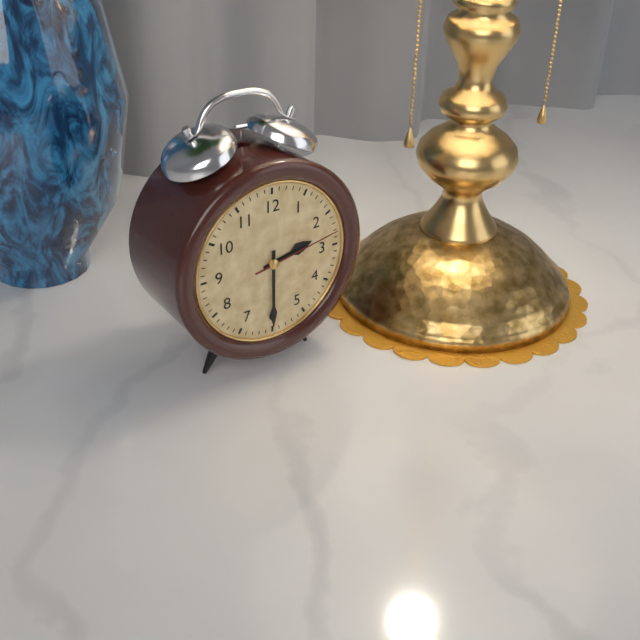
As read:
2,30,13
